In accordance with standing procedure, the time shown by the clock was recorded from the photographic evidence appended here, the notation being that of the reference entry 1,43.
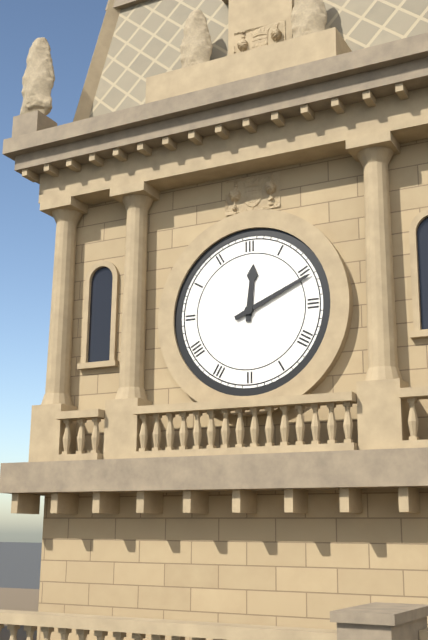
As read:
12,11
